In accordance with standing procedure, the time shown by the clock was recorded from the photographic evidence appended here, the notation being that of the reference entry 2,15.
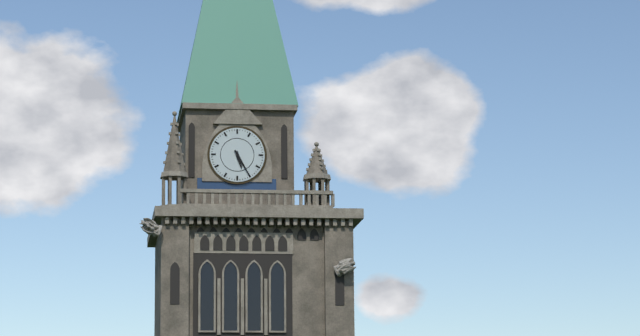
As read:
5,25
